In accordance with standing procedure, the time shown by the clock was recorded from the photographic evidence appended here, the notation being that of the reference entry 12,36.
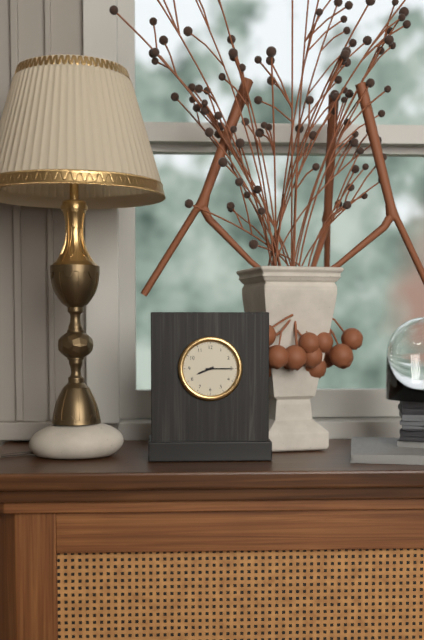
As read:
8,15
